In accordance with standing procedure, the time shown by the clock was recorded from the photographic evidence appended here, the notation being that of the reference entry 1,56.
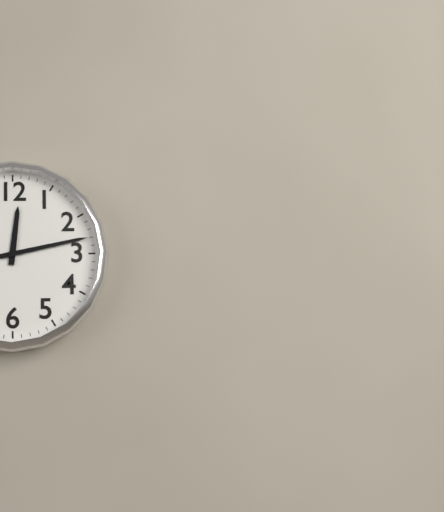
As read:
12,13
